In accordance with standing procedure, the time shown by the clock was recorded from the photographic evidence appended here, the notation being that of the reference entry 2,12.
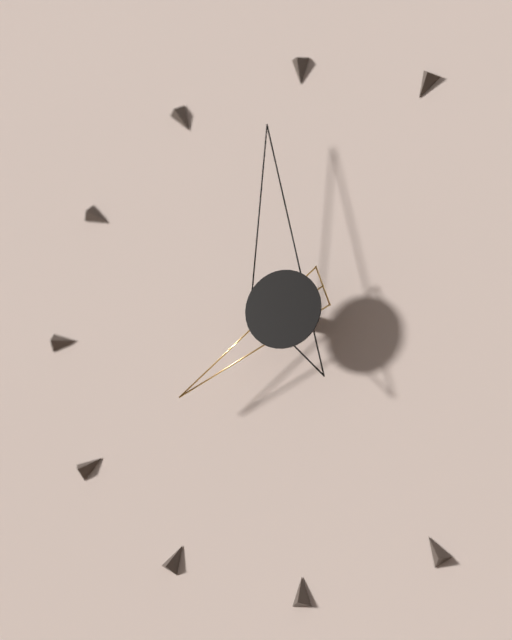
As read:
7,59
